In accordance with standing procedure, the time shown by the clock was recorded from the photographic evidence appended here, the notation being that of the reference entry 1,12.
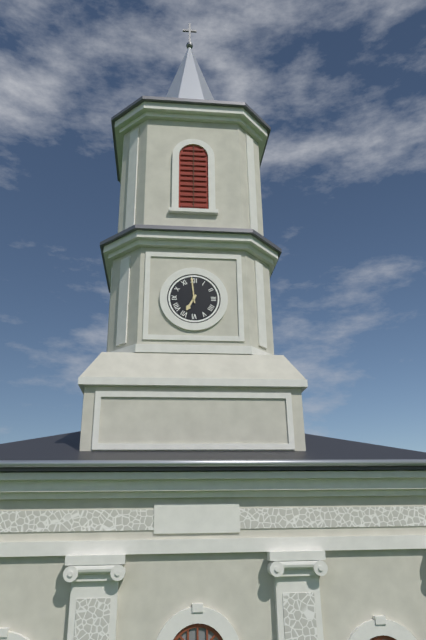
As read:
6,59
